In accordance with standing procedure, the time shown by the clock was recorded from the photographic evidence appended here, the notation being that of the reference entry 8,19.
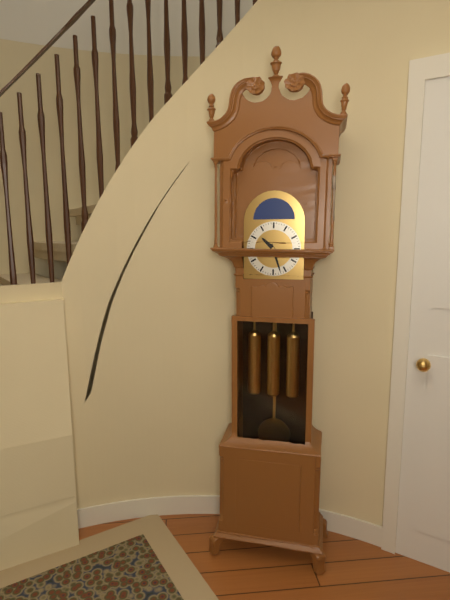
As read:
10,27
